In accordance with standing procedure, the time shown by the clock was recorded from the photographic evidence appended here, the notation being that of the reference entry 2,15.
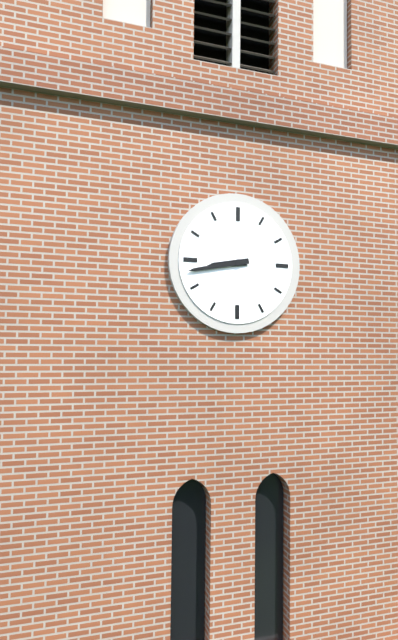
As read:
8,43
